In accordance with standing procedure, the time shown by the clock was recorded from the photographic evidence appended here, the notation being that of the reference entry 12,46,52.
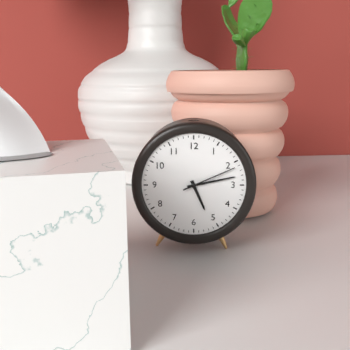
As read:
5,13,11
